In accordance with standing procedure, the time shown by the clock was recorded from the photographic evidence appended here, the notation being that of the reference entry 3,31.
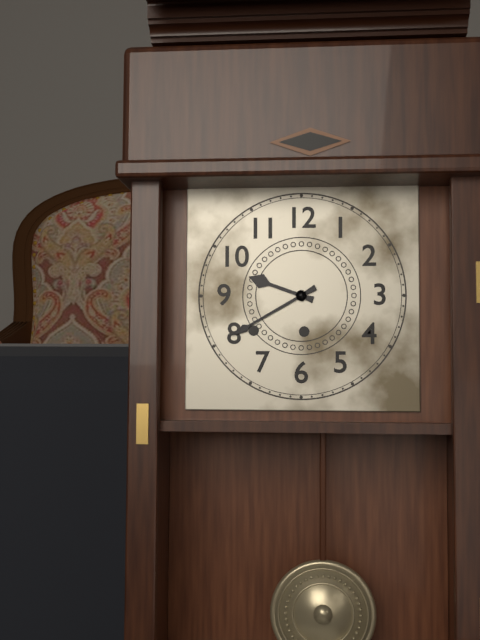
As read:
9,40
